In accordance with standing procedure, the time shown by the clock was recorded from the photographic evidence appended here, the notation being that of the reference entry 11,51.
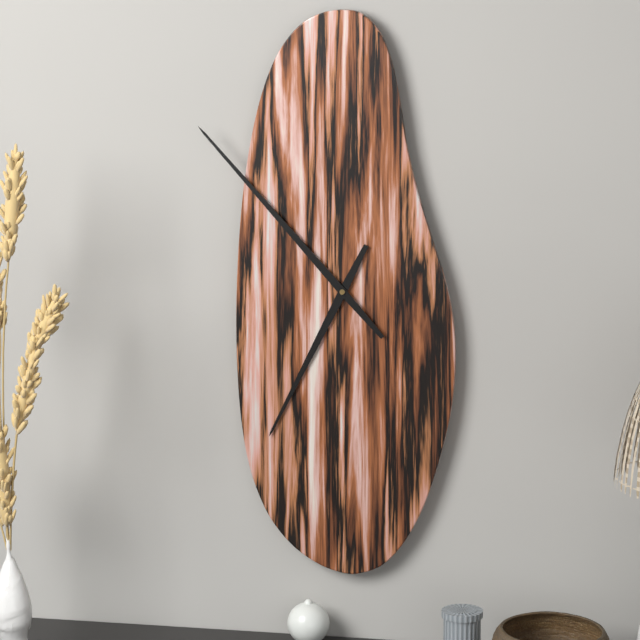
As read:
6,53
